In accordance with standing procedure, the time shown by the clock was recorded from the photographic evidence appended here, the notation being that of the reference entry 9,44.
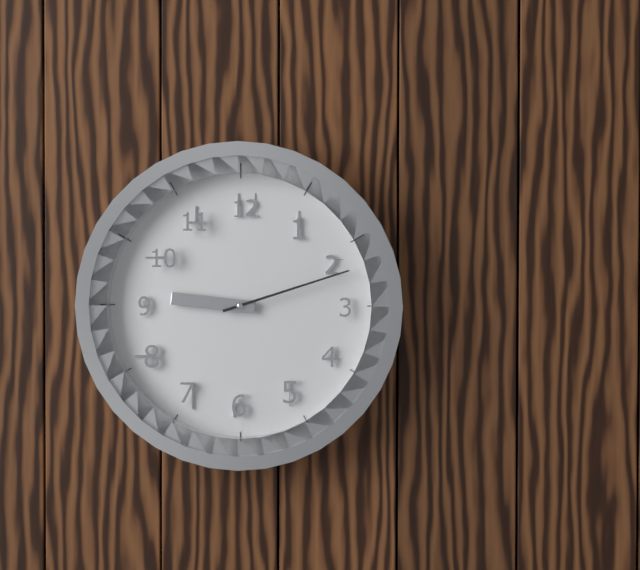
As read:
9,12
